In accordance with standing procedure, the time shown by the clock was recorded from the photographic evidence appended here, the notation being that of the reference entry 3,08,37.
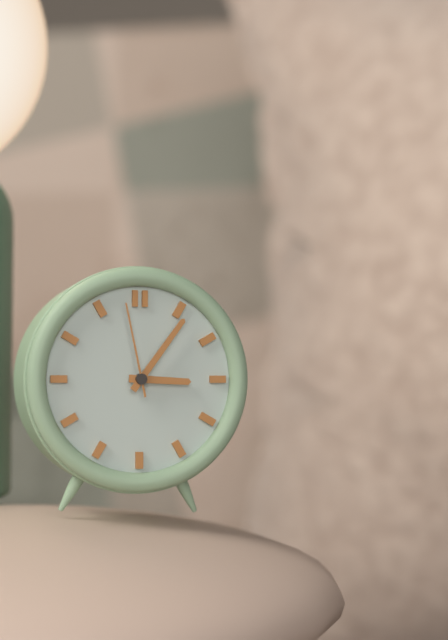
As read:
3,06,58
